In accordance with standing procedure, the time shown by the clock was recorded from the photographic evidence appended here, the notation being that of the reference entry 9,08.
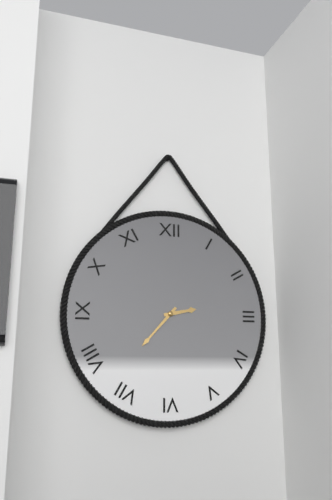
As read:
2,37
